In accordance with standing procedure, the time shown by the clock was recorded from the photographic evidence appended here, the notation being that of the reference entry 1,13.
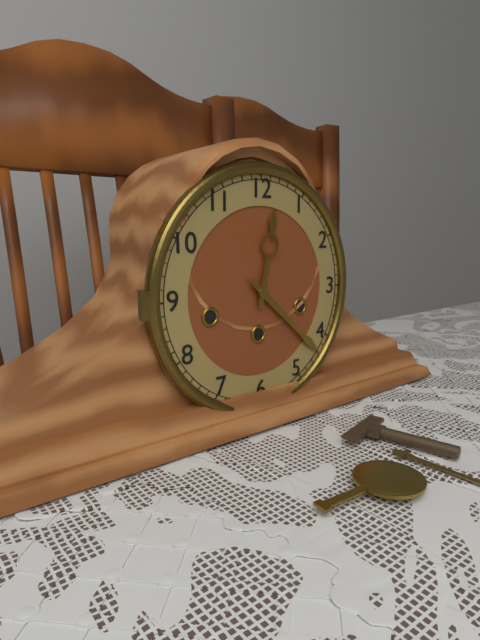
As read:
12,22
